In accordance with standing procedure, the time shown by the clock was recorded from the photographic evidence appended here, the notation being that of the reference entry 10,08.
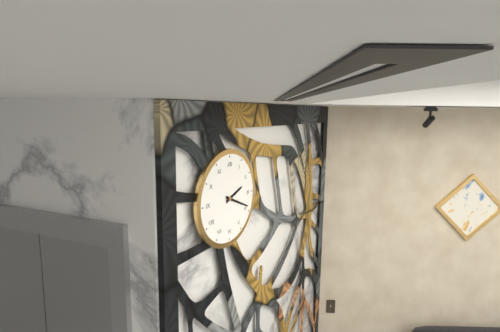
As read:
2,19
